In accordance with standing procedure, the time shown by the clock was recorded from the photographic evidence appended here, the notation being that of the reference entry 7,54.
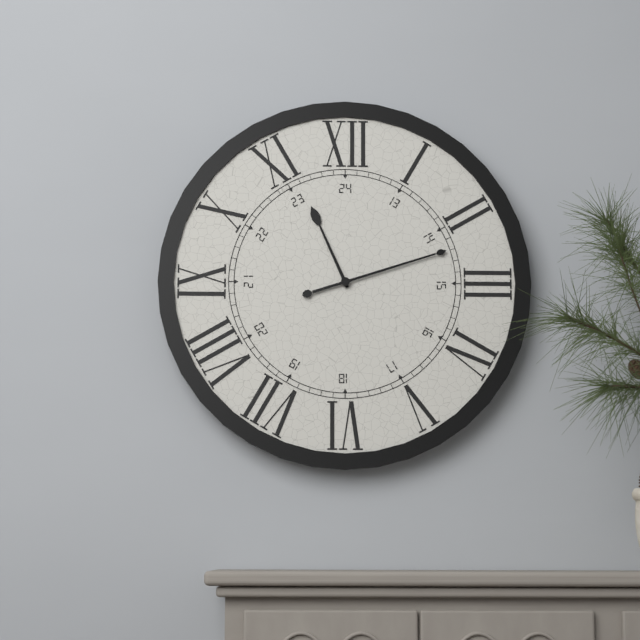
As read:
11,12
